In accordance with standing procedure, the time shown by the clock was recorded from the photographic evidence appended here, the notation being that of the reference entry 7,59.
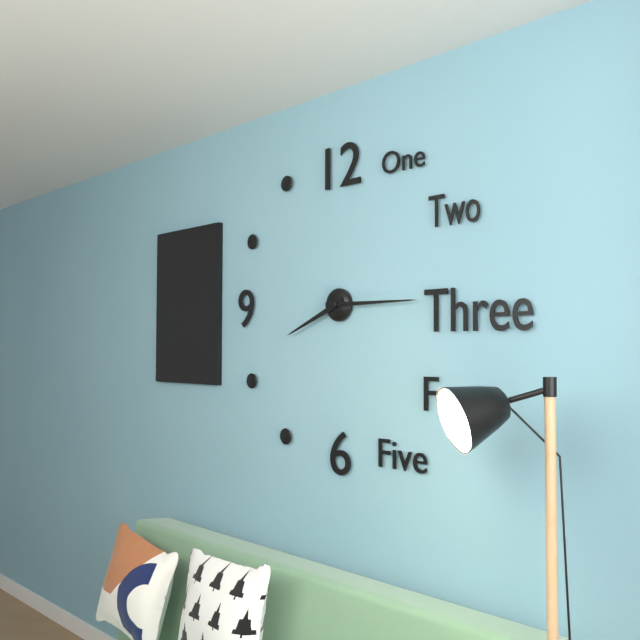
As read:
8,15
